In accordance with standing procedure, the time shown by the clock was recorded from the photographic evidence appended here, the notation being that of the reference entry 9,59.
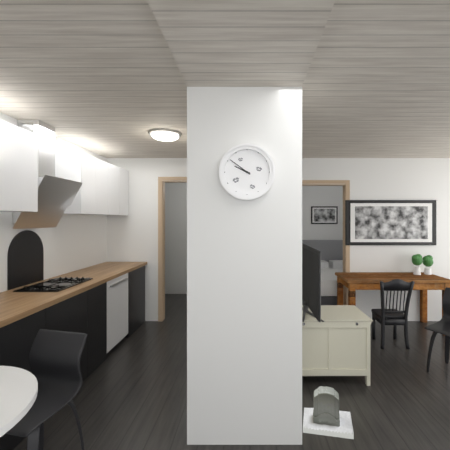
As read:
9,51
